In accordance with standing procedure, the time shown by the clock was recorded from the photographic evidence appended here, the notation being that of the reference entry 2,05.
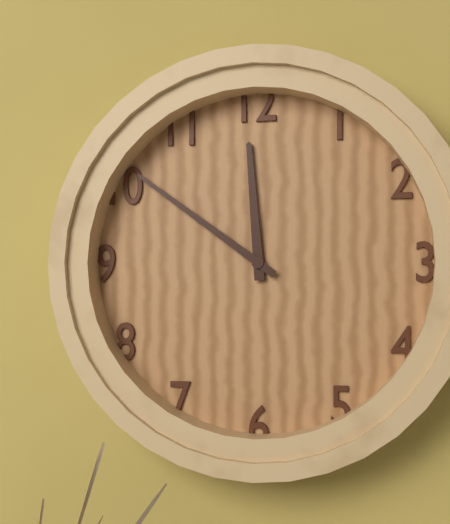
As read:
11,51
